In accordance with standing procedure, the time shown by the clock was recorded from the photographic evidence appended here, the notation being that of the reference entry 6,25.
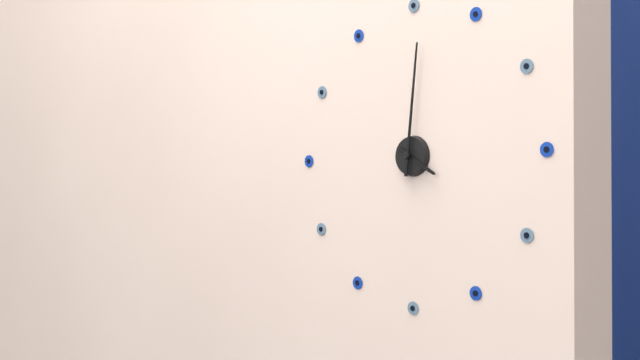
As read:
4,01
